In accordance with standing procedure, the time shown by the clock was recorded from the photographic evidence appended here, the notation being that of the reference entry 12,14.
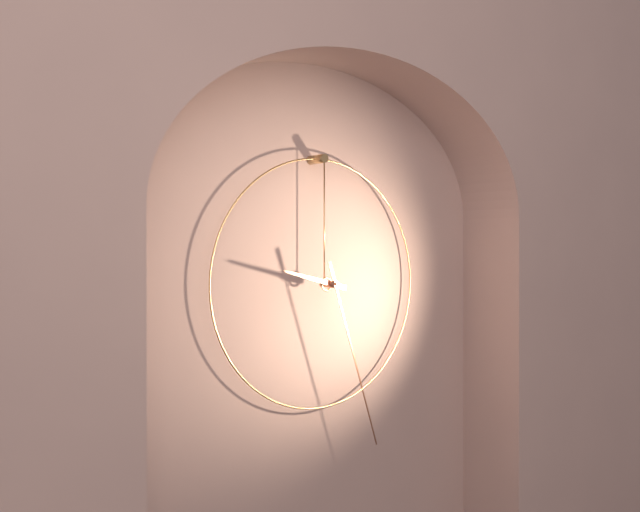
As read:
9,27
